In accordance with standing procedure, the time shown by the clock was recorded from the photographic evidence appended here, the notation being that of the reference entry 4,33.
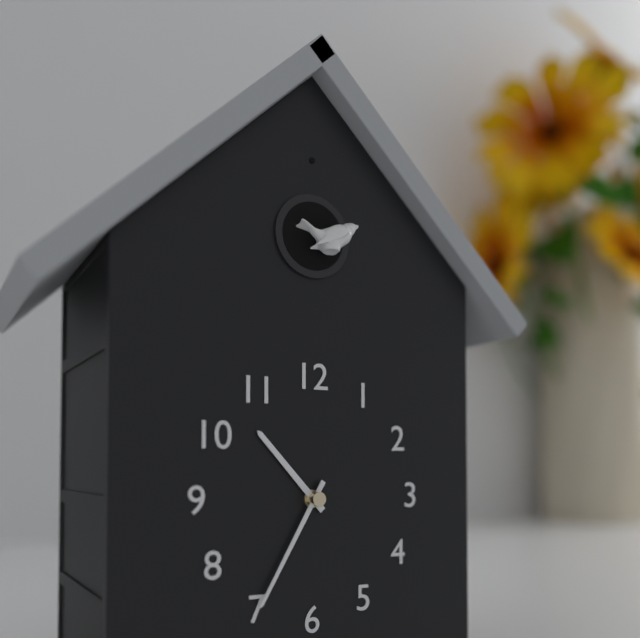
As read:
10,35
